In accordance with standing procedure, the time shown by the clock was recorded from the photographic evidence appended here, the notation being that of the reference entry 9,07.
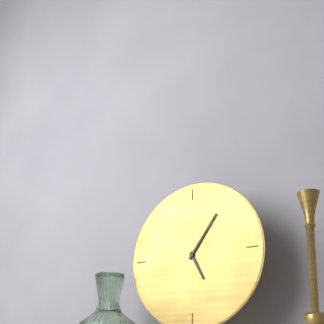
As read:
5,06
